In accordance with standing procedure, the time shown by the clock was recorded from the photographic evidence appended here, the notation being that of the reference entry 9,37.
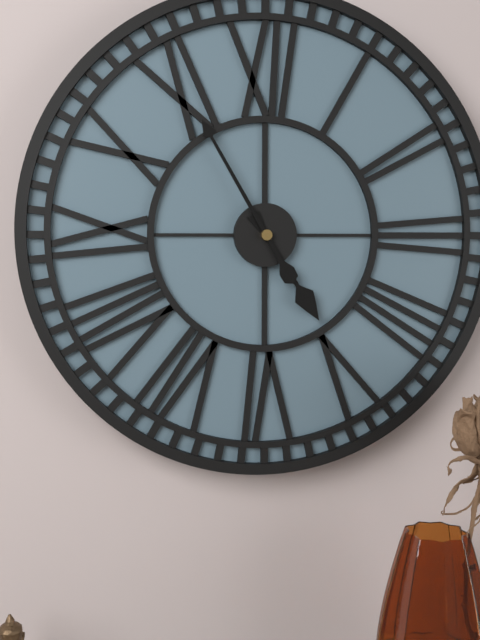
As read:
4,55
